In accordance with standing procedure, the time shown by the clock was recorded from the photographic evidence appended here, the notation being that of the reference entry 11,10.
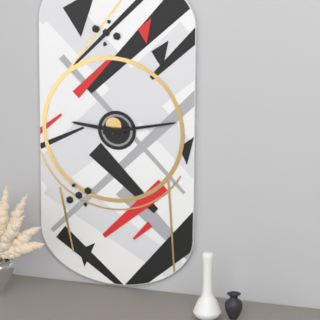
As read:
9,13
